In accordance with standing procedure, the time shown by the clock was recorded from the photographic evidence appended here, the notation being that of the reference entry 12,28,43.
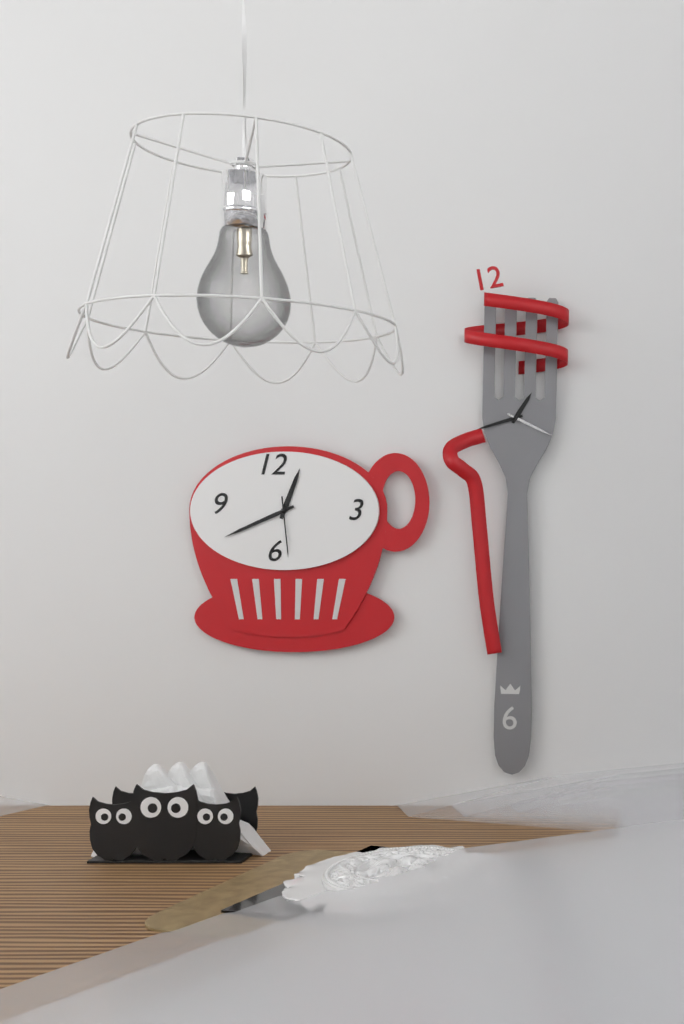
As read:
12,41,29
